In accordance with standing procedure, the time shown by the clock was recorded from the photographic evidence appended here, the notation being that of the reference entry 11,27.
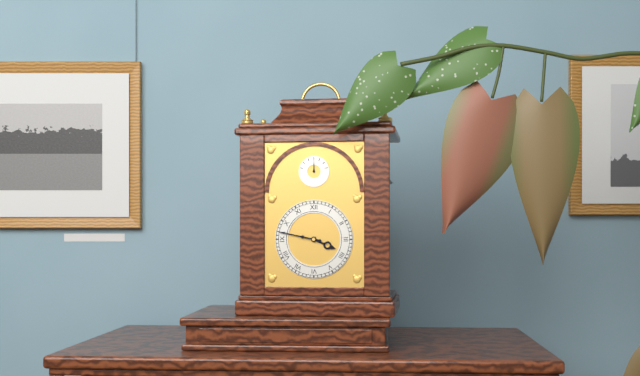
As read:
3,47
